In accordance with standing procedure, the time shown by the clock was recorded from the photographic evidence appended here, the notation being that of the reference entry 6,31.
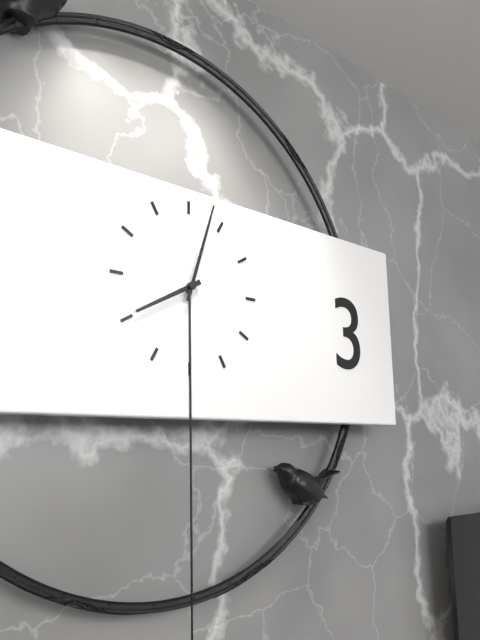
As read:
8,03
